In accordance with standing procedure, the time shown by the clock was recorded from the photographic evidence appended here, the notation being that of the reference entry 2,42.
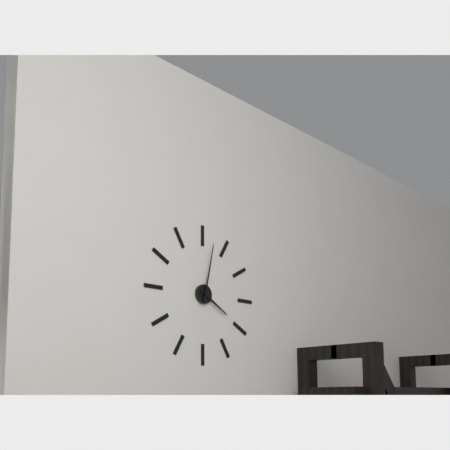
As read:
4,02
